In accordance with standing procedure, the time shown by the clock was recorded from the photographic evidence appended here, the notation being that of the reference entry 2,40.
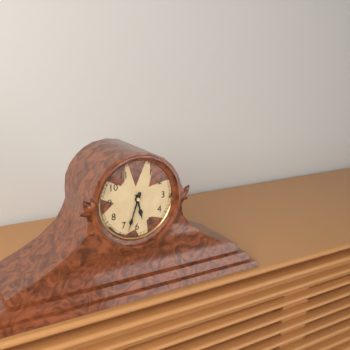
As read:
5,33
